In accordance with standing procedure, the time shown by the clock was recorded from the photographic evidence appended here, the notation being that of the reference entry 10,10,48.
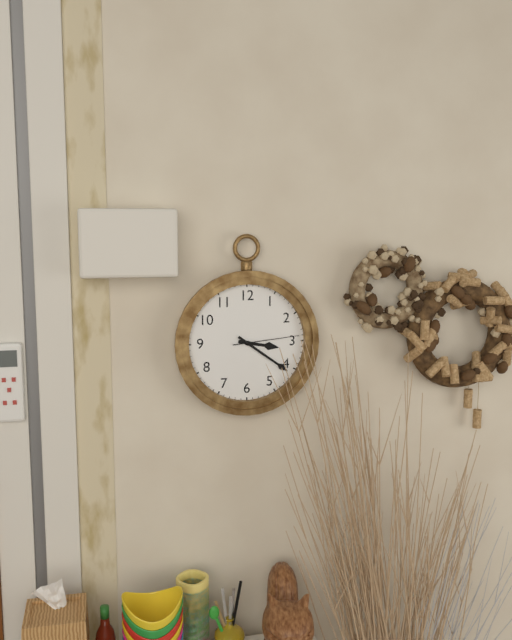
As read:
3,21,14
